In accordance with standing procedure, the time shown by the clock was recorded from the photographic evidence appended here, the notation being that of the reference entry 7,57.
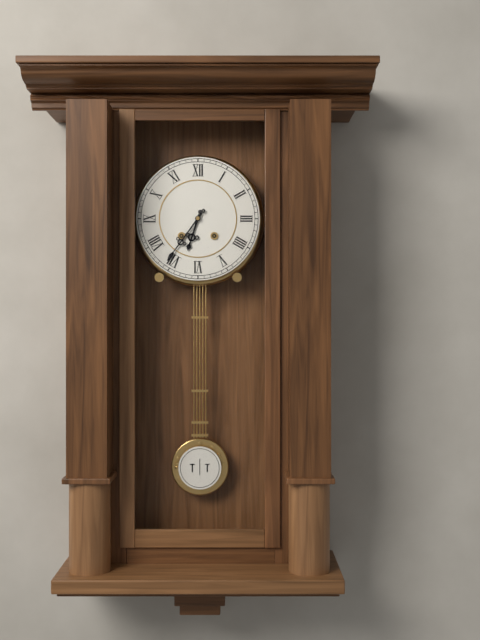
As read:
6,36
